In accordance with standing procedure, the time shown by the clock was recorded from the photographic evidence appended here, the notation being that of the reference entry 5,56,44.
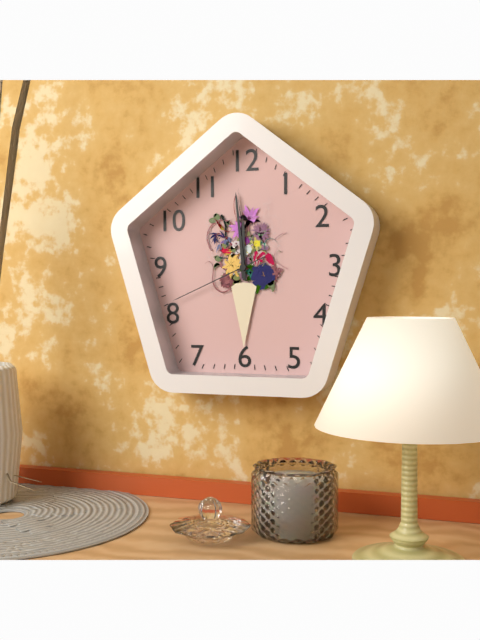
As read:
11,59,41
